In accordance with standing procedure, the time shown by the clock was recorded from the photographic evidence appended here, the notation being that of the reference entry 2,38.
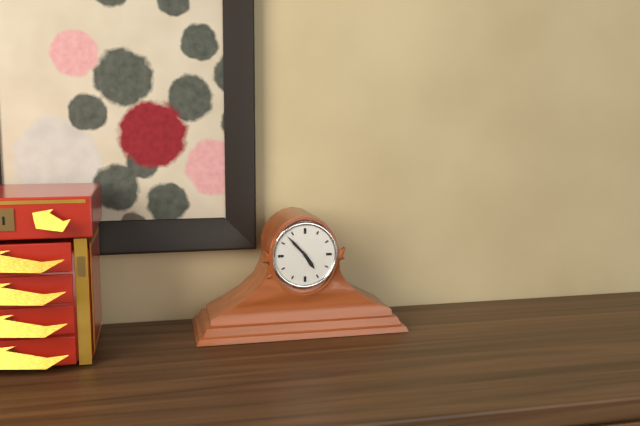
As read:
4,53
